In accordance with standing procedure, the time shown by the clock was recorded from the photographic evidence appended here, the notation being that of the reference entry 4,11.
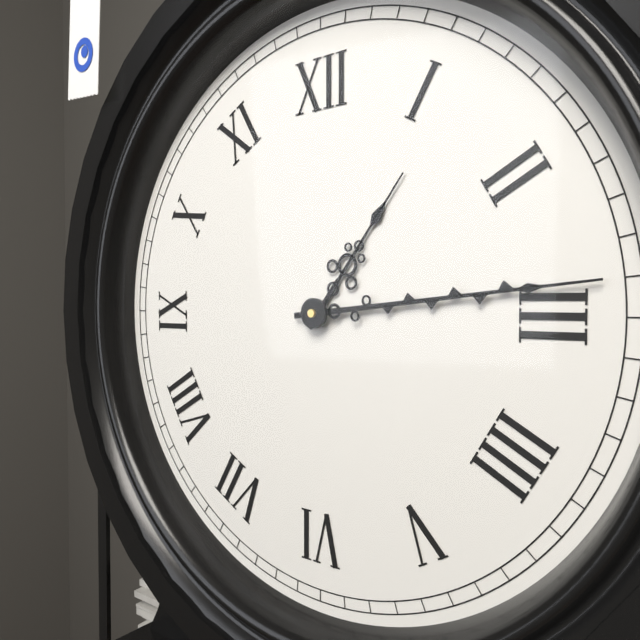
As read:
1,14
